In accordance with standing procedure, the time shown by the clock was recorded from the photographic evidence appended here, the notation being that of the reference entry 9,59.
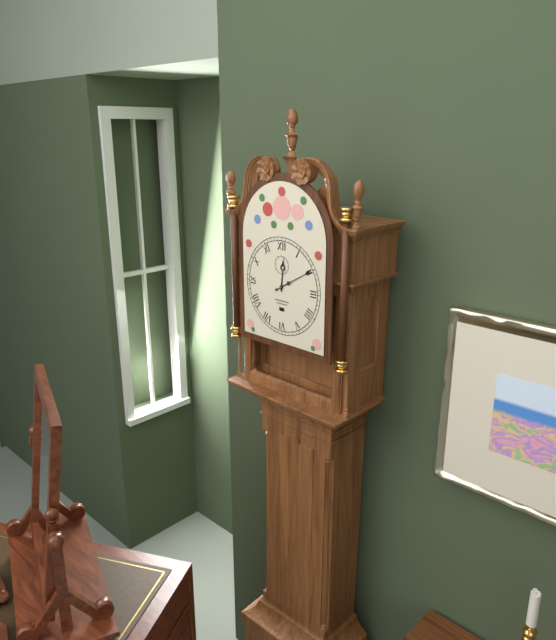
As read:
12,10
